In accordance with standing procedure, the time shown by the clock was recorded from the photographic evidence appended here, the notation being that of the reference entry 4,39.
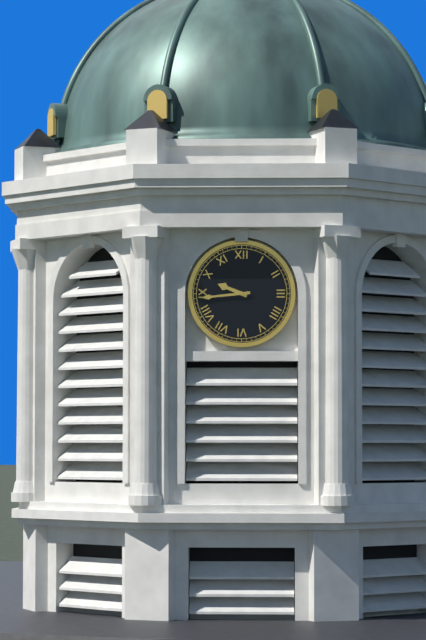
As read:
9,44
